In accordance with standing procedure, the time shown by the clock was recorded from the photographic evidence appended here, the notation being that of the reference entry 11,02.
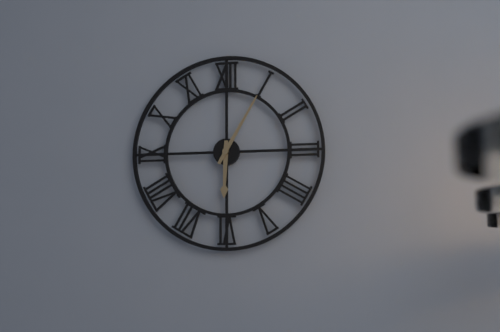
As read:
6,05
